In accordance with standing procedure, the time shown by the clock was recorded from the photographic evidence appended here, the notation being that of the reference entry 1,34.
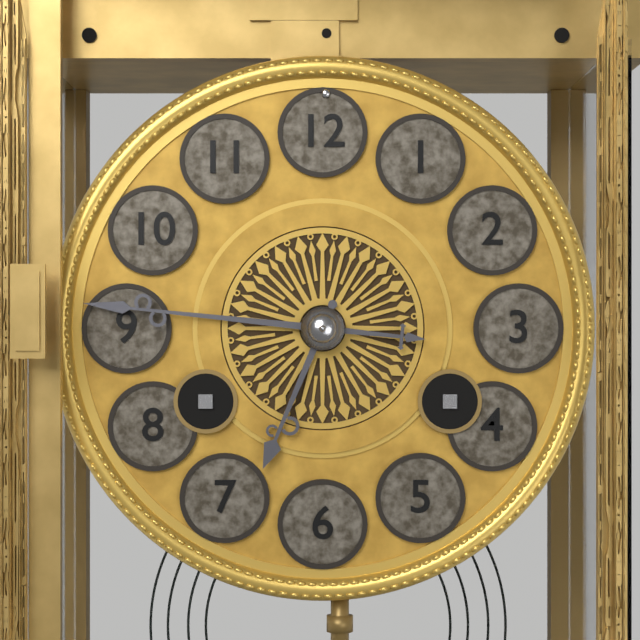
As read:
6,46
